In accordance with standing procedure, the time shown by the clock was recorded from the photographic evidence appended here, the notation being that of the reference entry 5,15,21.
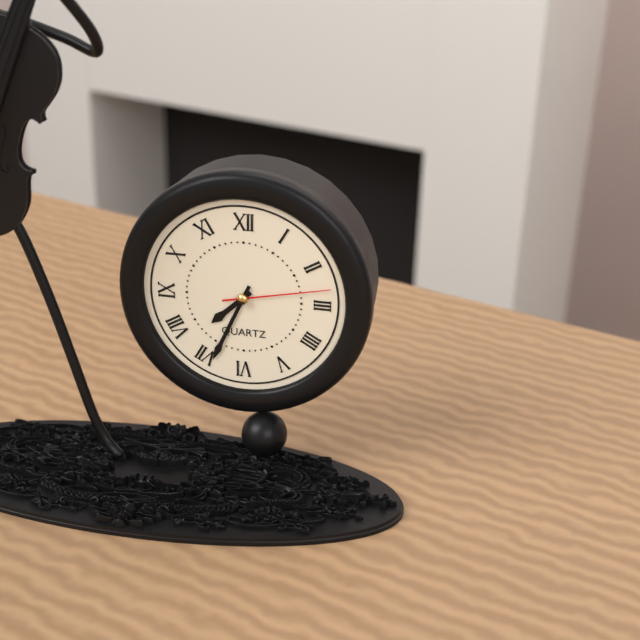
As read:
7,34,13
